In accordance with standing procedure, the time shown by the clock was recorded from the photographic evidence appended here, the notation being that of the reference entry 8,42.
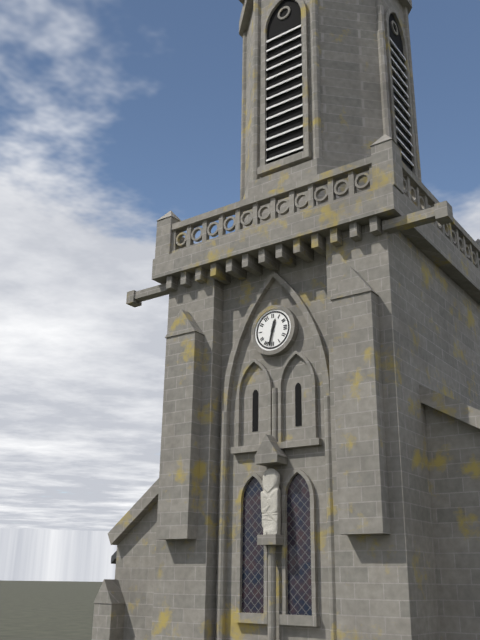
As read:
12,32
